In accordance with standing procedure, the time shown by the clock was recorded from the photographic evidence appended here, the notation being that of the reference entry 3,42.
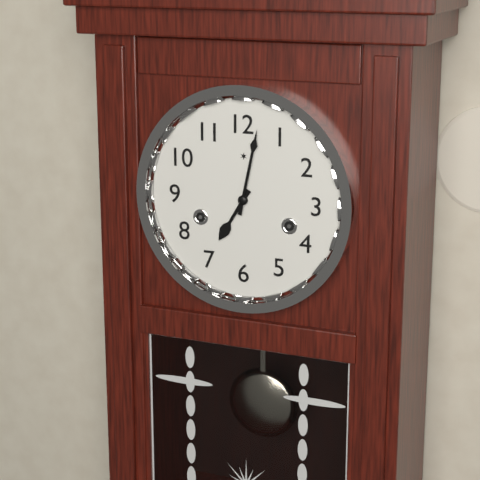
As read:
7,02
